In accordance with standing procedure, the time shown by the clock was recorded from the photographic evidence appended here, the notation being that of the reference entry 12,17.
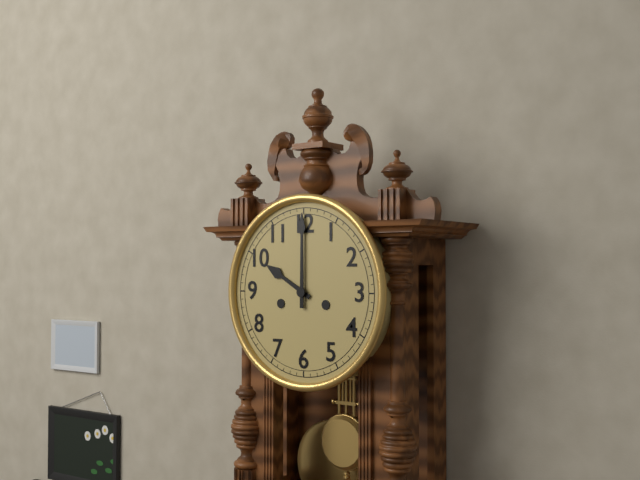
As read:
10,00
